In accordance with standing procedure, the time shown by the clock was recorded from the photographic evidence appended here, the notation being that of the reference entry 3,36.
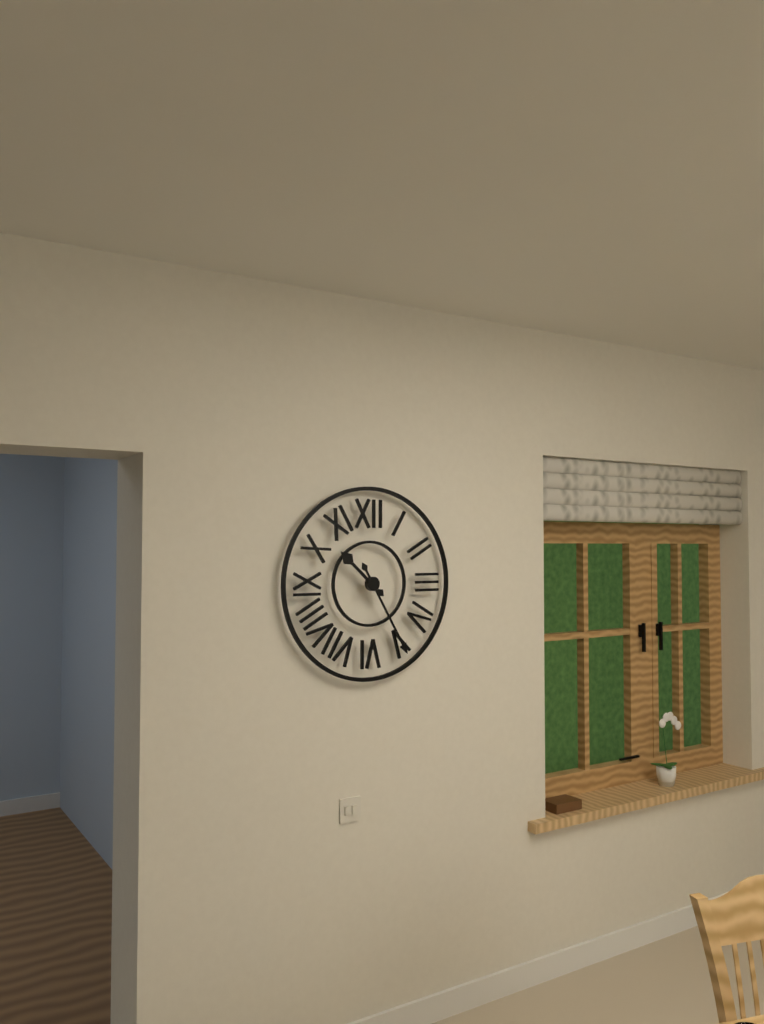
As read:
10,25
